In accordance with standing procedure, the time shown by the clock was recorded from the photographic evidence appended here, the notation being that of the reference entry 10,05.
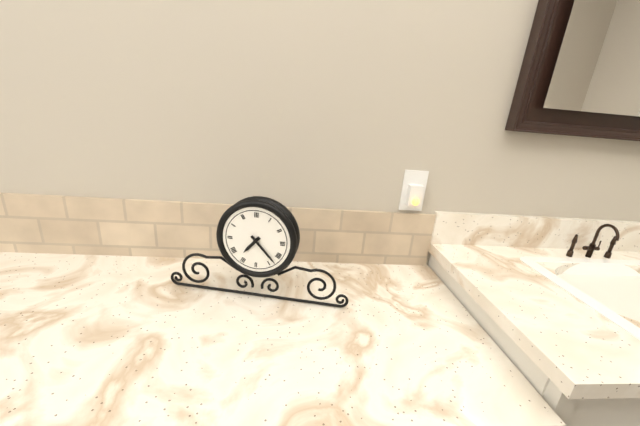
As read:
7,23
